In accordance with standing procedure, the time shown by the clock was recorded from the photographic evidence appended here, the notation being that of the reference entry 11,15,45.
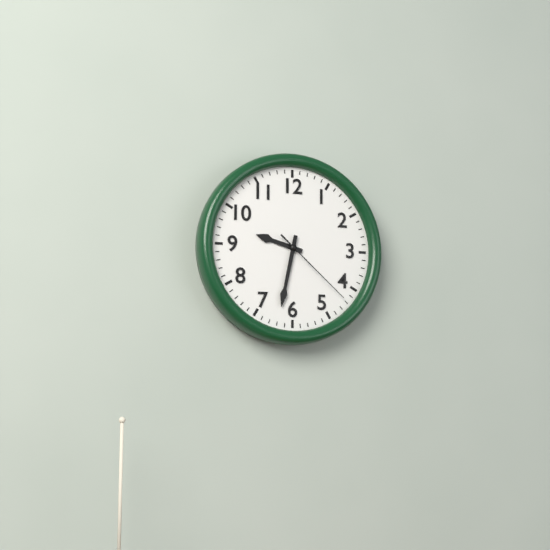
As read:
9,32,22
